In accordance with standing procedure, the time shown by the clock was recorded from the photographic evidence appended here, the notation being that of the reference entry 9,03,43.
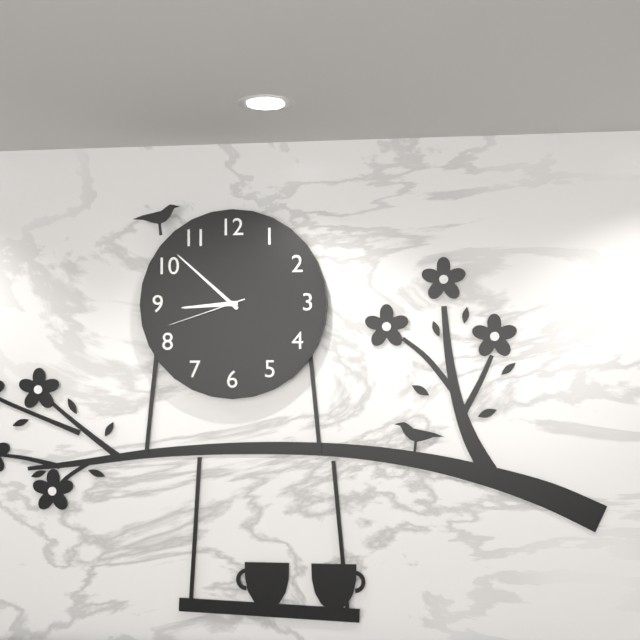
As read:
8,52,42
